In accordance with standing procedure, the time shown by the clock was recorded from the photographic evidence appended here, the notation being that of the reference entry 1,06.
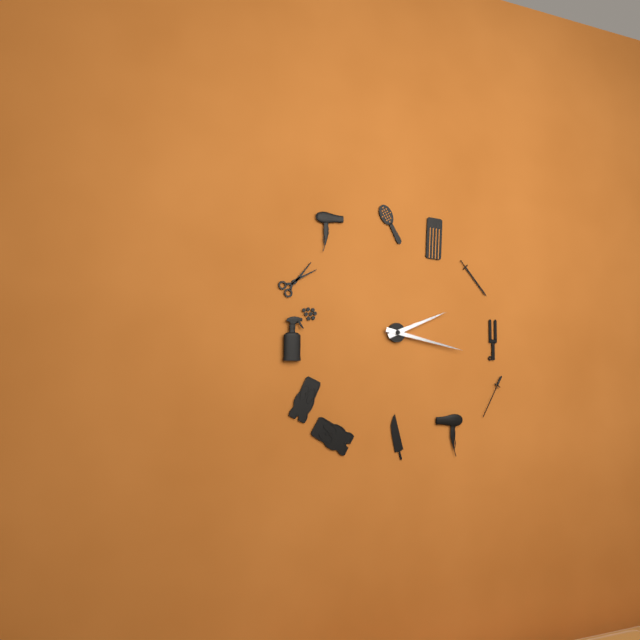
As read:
2,17
